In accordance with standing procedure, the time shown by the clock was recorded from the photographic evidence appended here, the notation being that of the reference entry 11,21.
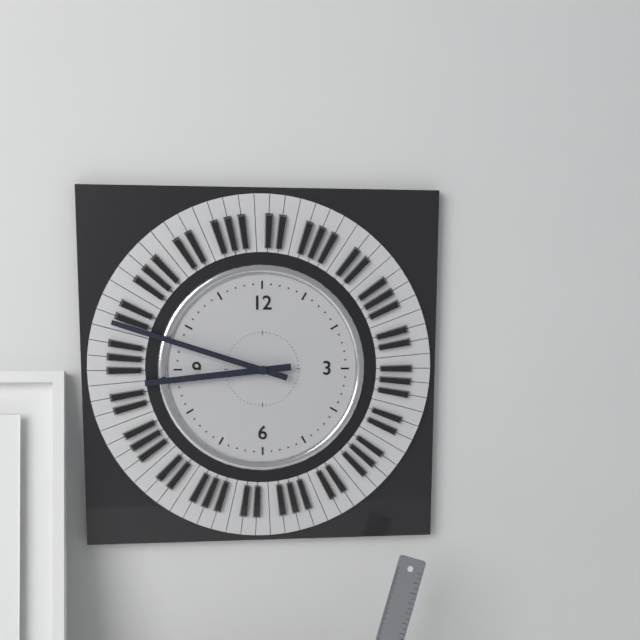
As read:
8,48
